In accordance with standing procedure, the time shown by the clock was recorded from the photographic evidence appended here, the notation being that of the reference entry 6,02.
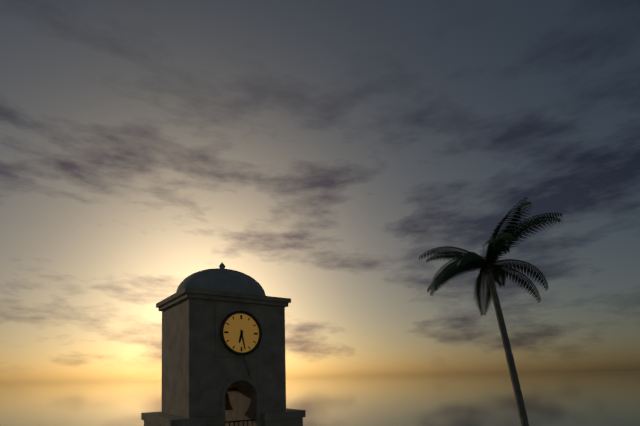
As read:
6,28
